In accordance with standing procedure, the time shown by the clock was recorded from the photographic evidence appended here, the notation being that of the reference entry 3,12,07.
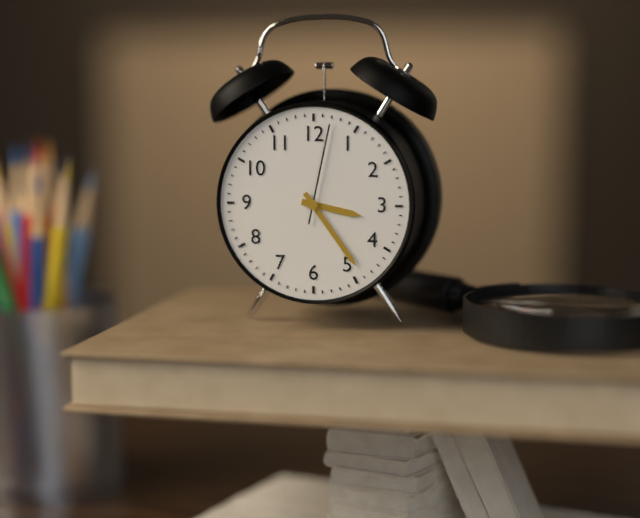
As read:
3,24,02
